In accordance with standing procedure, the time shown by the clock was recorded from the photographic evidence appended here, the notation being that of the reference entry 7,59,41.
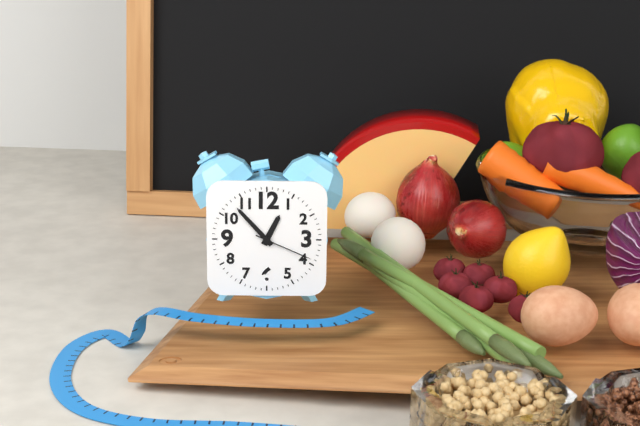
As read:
12,53,19
